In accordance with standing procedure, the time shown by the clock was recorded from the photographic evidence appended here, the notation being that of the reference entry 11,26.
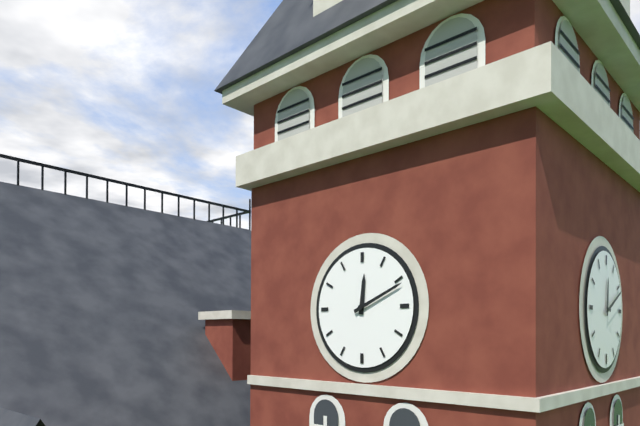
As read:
12,11
